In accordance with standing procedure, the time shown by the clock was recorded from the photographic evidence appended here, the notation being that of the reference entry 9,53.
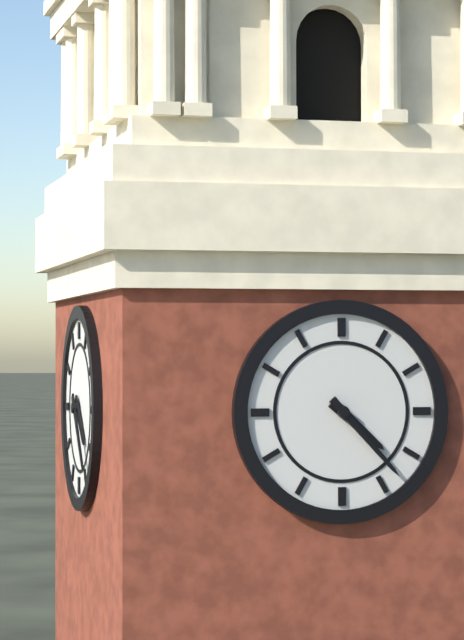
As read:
4,23
